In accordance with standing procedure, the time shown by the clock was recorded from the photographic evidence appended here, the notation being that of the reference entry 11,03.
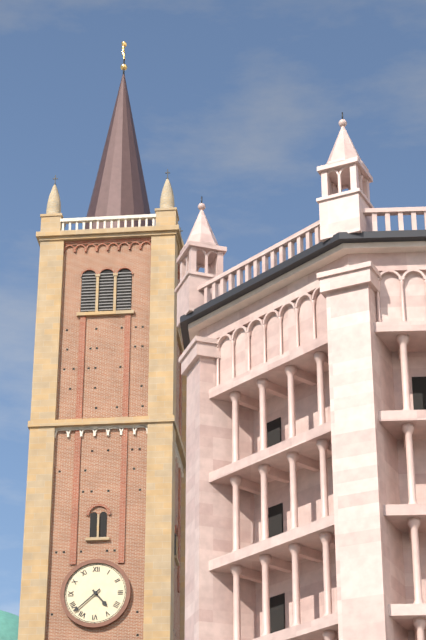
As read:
4,38
